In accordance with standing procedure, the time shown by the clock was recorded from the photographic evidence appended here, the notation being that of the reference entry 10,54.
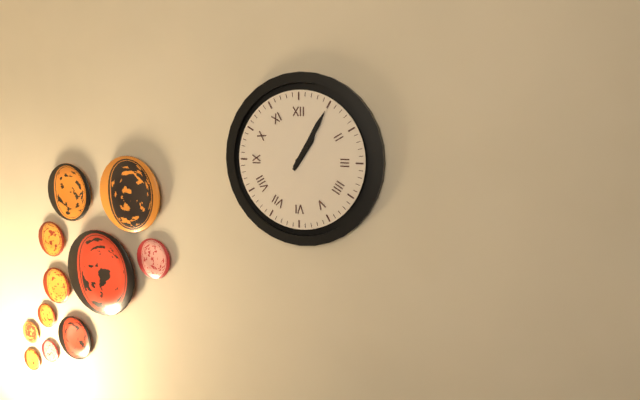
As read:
1,05
